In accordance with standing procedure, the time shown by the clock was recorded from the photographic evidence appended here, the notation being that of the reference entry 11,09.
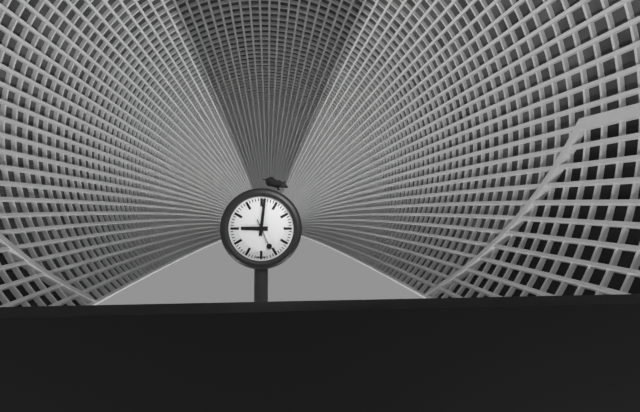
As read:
9,01
